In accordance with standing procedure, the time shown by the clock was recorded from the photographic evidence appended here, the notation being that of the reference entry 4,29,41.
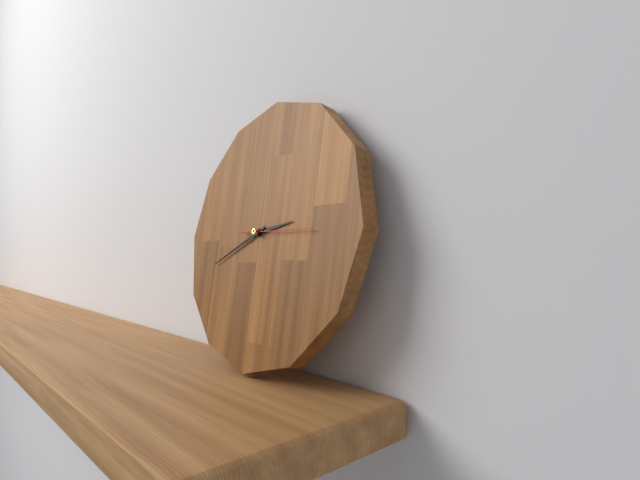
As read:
2,41,15
